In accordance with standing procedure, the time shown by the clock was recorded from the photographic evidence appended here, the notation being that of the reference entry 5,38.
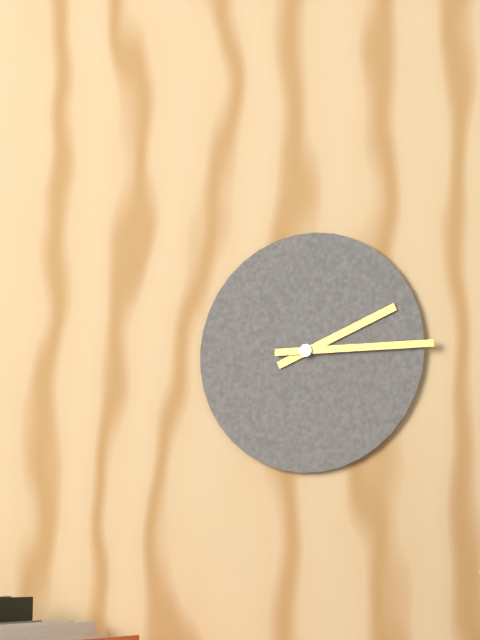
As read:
2,15
